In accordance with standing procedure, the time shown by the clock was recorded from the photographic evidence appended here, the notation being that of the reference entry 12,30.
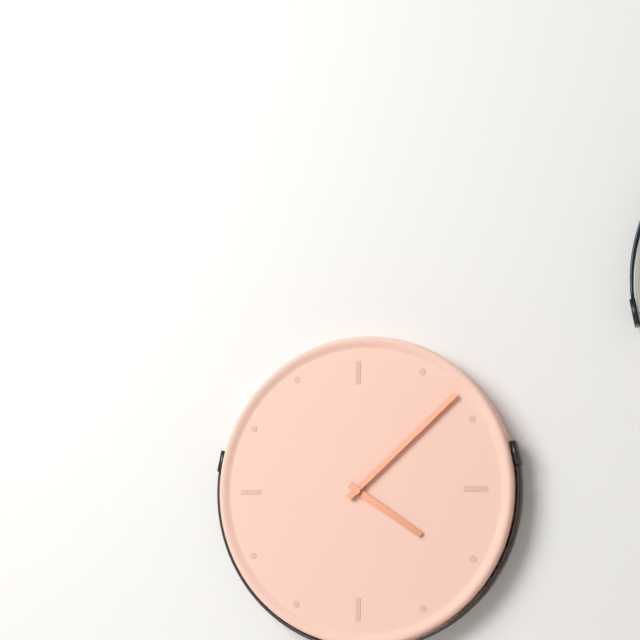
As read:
4,08
